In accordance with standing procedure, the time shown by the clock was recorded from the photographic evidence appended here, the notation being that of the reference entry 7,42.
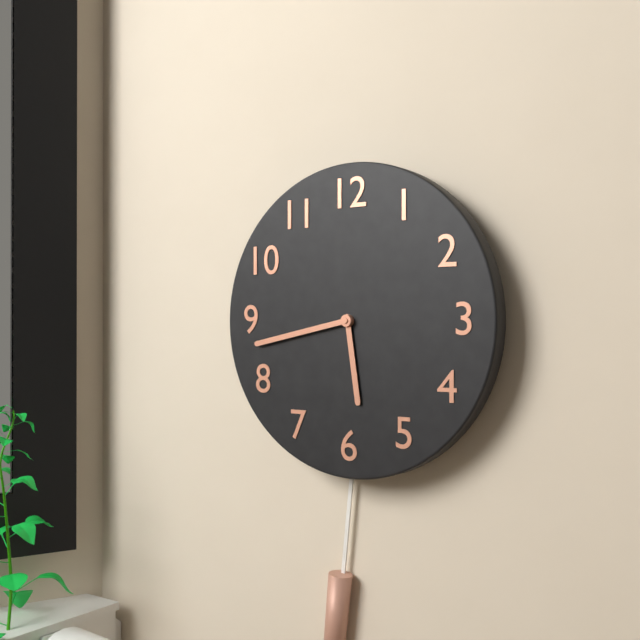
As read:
5,43
